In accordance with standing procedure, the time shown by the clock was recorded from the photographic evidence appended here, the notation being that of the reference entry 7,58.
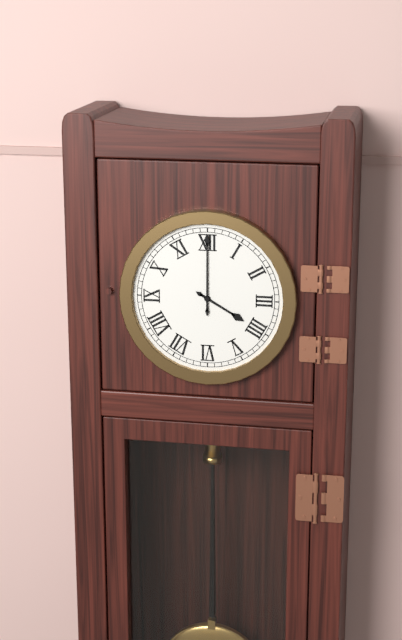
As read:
4,00
